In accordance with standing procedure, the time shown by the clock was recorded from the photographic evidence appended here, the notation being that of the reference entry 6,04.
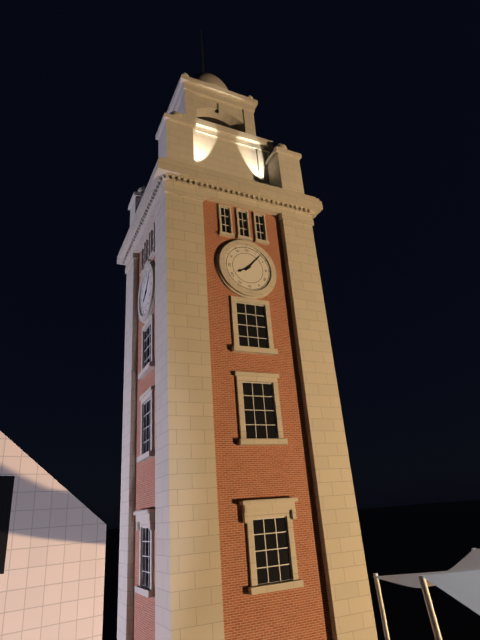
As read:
8,07
